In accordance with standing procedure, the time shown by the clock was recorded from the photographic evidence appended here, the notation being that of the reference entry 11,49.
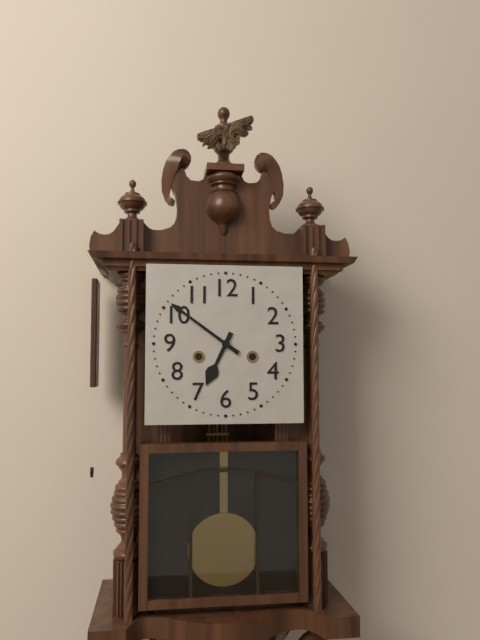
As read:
6,51
